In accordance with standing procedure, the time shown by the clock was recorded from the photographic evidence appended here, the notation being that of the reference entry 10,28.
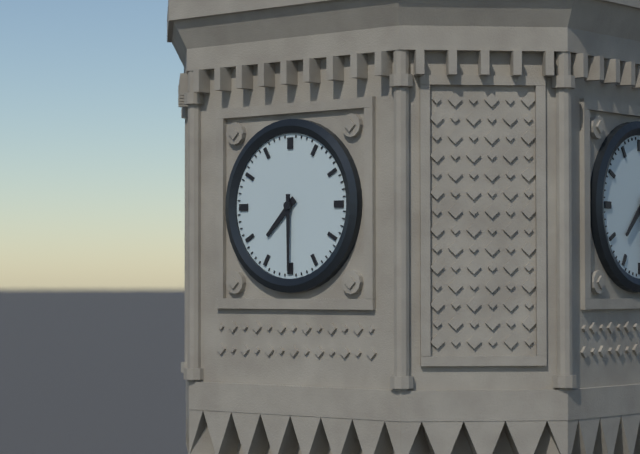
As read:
7,30
